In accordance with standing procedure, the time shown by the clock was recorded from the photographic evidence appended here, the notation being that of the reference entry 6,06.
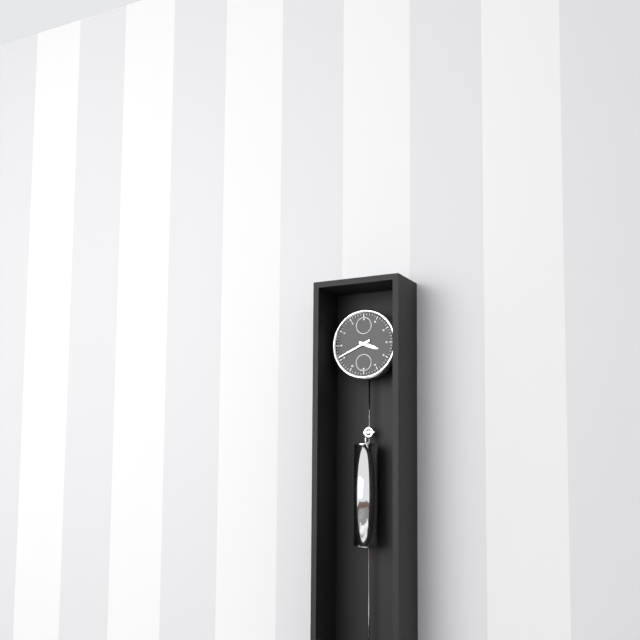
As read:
3,41
